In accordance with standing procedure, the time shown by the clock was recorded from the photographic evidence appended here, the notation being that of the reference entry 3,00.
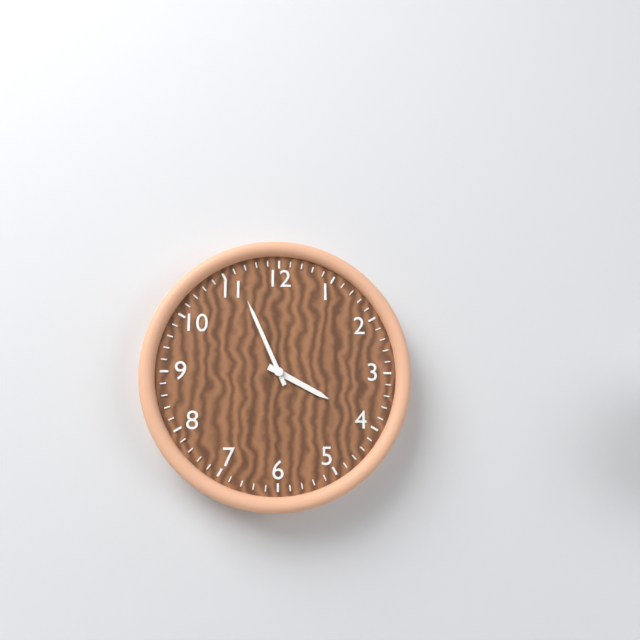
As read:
3,56
